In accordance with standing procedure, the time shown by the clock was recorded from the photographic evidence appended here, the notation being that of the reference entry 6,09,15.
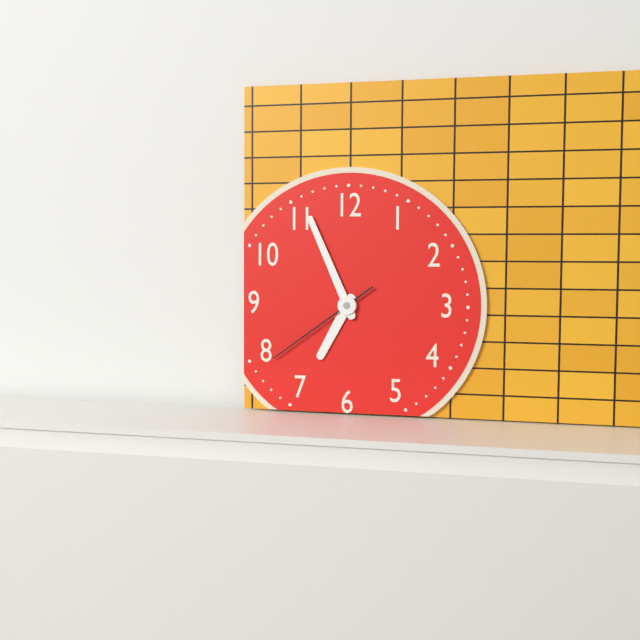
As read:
6,56,39
